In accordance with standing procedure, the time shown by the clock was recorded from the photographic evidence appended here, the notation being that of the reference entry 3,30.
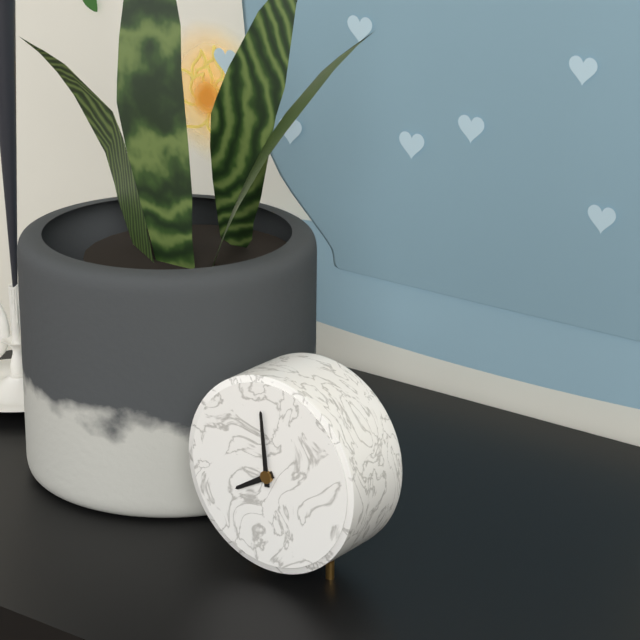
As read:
7,59
